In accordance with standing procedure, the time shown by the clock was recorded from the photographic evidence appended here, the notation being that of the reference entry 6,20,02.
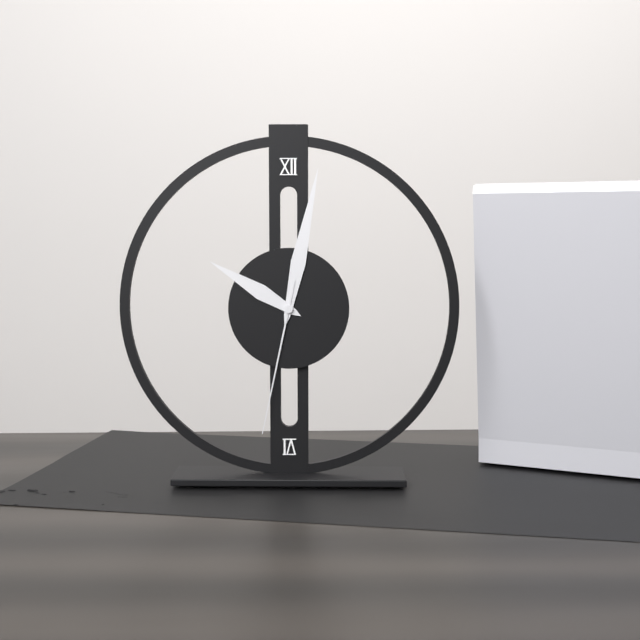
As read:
10,02,32
